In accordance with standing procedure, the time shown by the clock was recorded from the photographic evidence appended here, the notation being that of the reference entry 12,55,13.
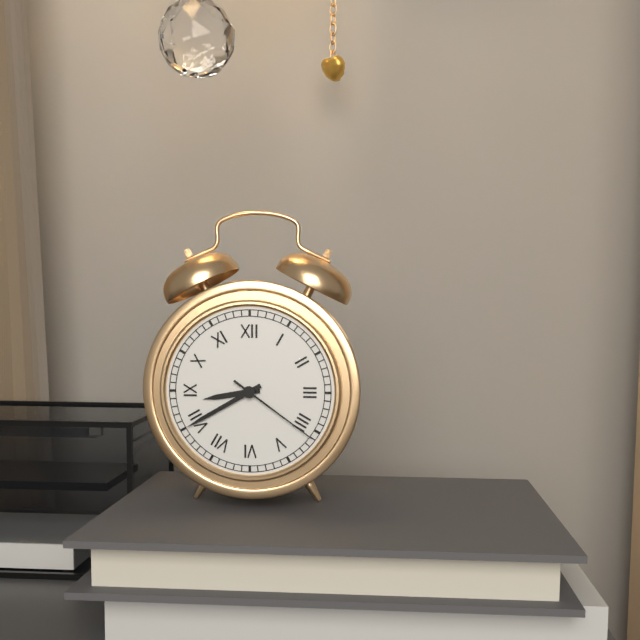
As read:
8,40,21
